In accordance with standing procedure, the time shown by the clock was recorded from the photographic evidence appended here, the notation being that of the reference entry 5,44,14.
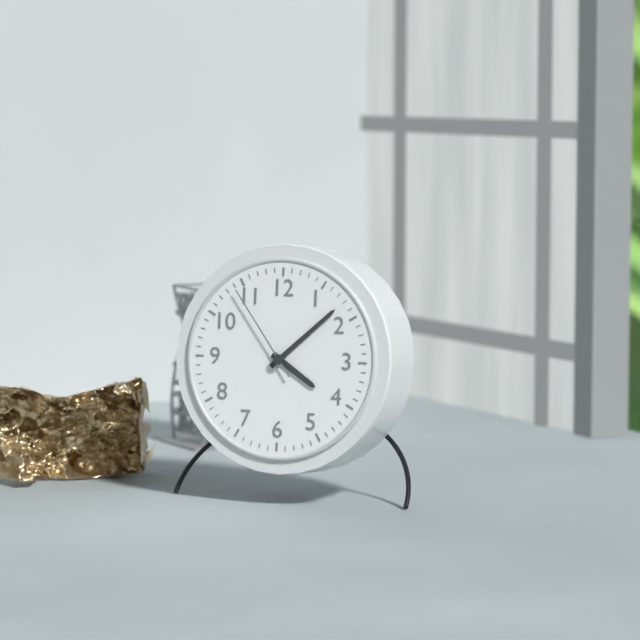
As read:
4,08,54
